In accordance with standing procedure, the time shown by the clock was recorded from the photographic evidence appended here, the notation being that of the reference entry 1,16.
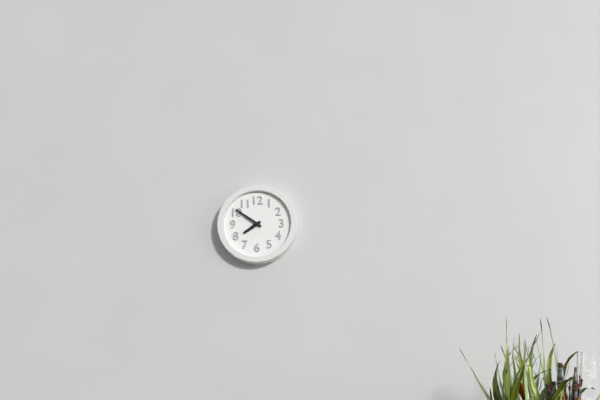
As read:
7,51
